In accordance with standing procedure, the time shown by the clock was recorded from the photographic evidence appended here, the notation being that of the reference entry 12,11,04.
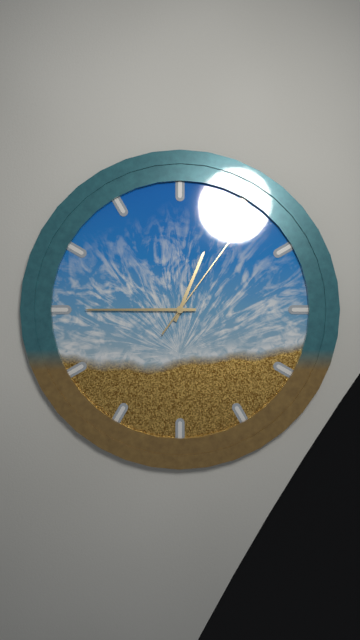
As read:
12,45,06
